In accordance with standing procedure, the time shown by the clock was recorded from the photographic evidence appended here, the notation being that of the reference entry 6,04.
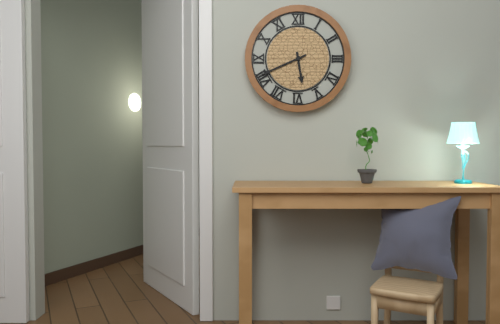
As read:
5,41
